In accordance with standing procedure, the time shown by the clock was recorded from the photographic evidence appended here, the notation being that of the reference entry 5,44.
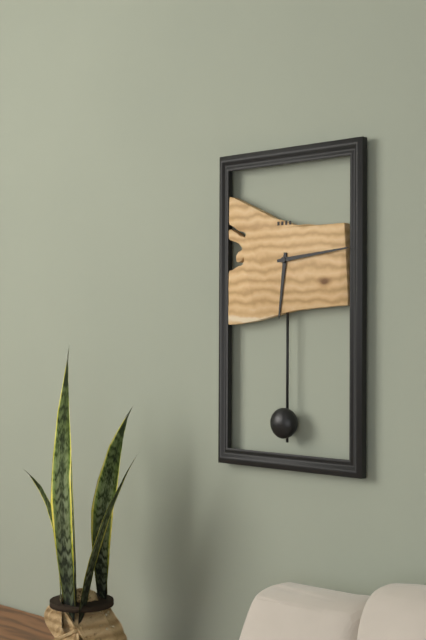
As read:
6,14
